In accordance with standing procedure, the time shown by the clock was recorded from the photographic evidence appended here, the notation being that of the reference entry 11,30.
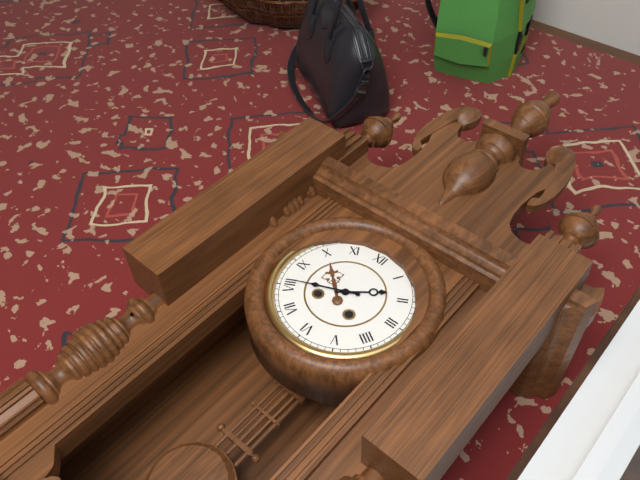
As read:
1,41
